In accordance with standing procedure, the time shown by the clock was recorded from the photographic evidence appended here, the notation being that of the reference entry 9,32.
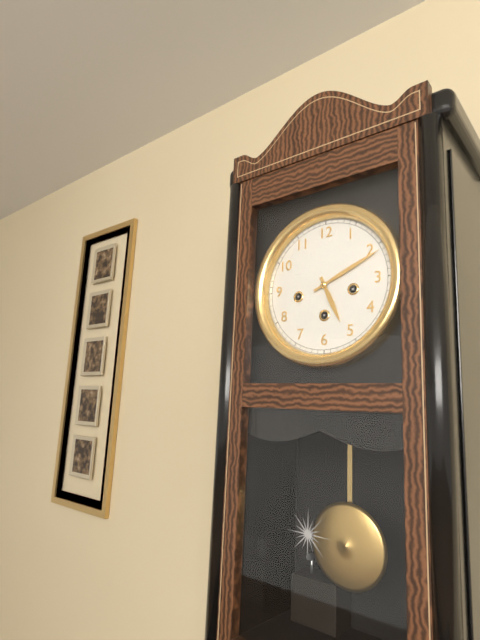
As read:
5,11
